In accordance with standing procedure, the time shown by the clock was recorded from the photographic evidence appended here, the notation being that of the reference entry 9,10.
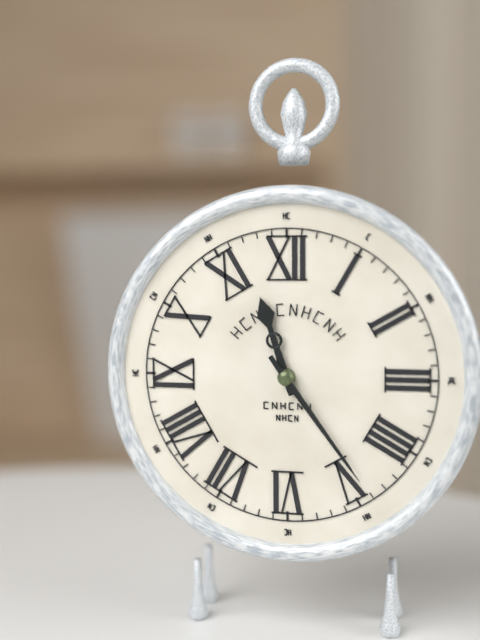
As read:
11,24
